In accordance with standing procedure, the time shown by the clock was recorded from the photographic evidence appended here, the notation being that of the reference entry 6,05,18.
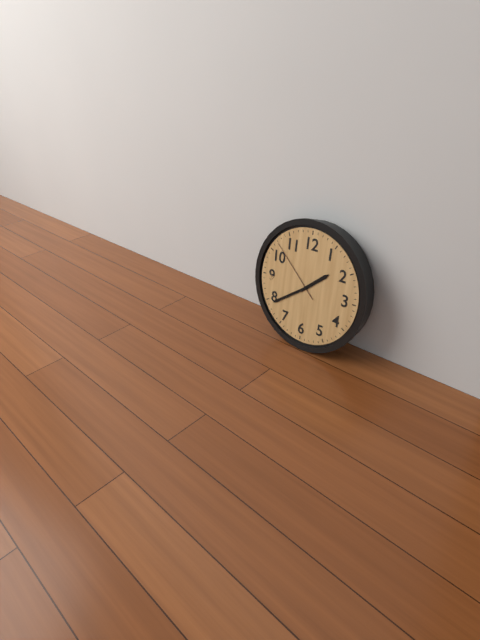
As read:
1,39,52
